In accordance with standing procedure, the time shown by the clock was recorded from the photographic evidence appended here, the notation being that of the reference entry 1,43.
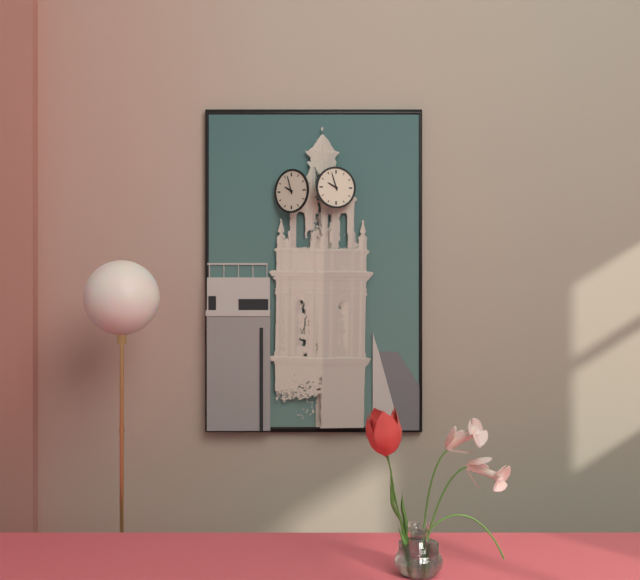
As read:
9,57
